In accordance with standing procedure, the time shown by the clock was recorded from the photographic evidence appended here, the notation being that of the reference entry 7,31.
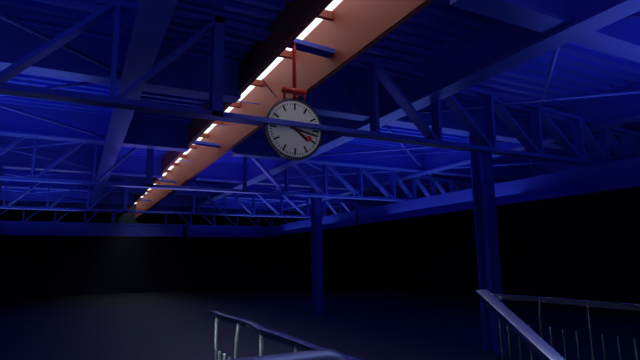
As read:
4,17
